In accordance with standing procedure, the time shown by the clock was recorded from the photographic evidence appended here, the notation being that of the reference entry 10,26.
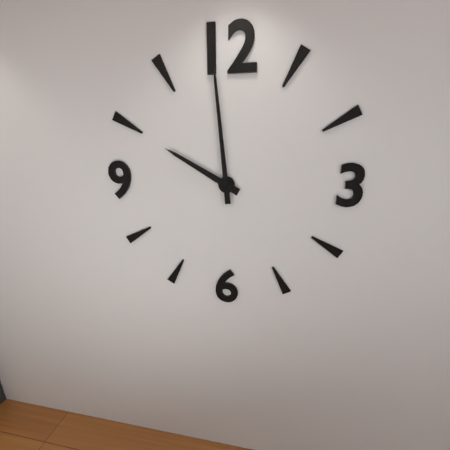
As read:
9,59
